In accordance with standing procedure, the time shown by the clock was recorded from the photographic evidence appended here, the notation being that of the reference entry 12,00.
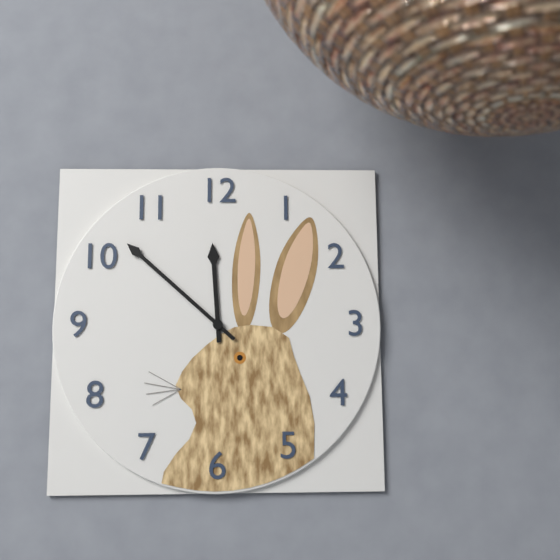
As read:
11,52
